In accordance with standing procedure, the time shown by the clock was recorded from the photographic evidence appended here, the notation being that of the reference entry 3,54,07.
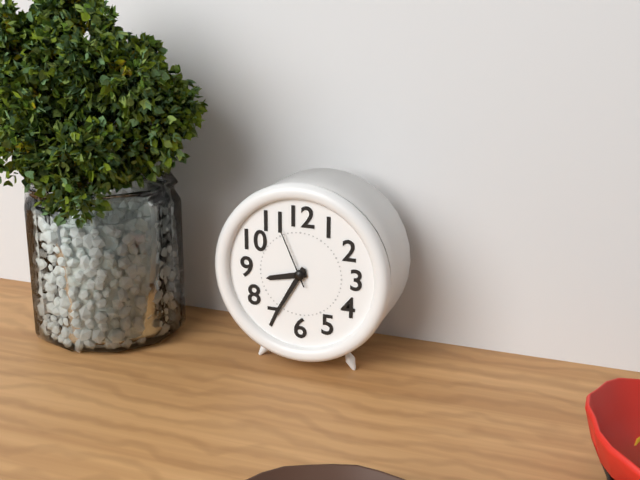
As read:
8,35,56
